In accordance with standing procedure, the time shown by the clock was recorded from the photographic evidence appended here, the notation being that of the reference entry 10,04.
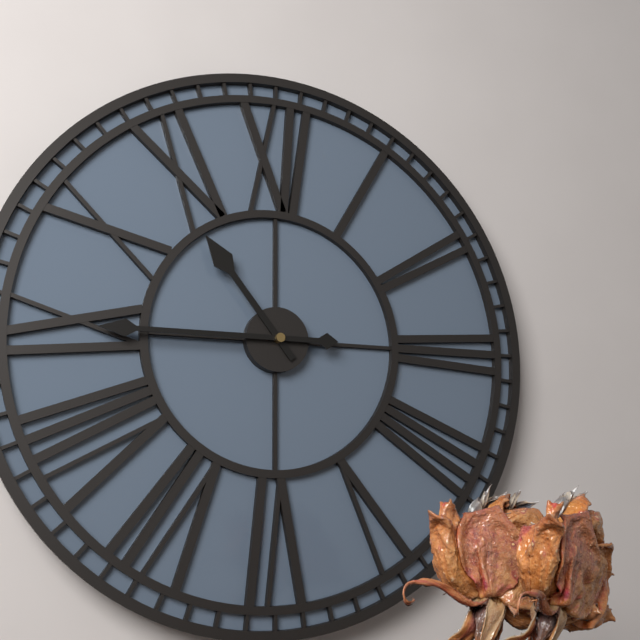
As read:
10,45
